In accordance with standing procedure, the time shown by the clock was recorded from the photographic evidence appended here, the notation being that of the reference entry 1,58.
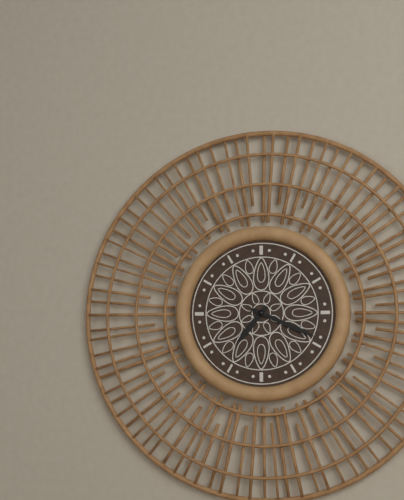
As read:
7,19
